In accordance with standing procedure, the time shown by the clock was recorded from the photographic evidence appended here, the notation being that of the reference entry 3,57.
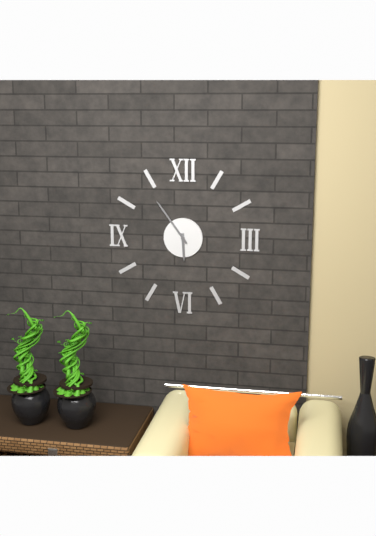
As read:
5,54
